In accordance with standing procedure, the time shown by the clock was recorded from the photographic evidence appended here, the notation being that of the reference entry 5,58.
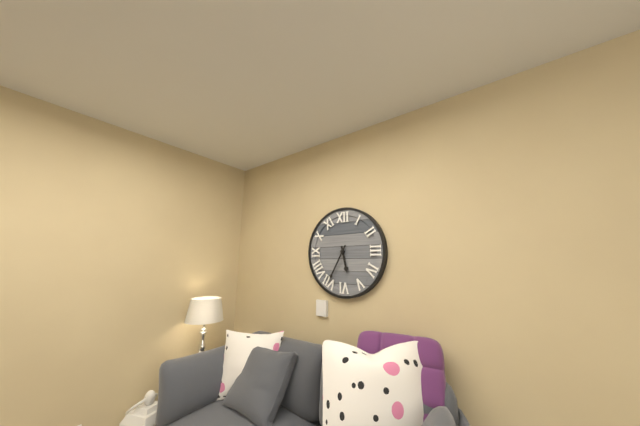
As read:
5,35
